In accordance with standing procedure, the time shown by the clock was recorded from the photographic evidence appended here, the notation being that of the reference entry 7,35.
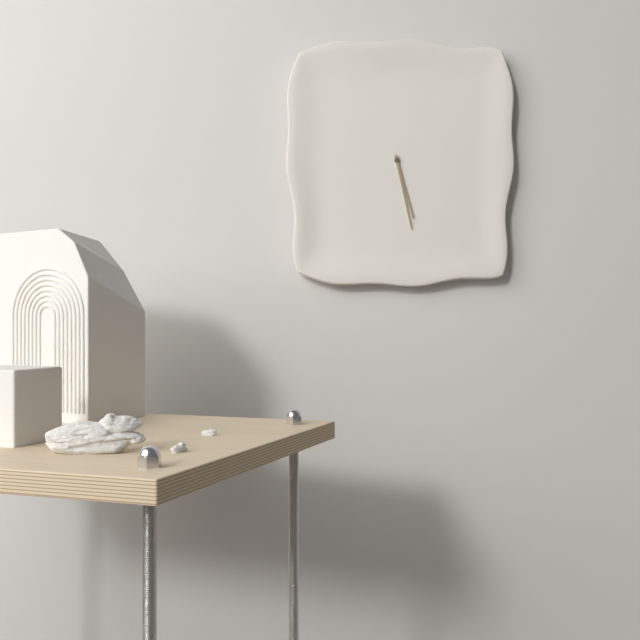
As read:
5,28
